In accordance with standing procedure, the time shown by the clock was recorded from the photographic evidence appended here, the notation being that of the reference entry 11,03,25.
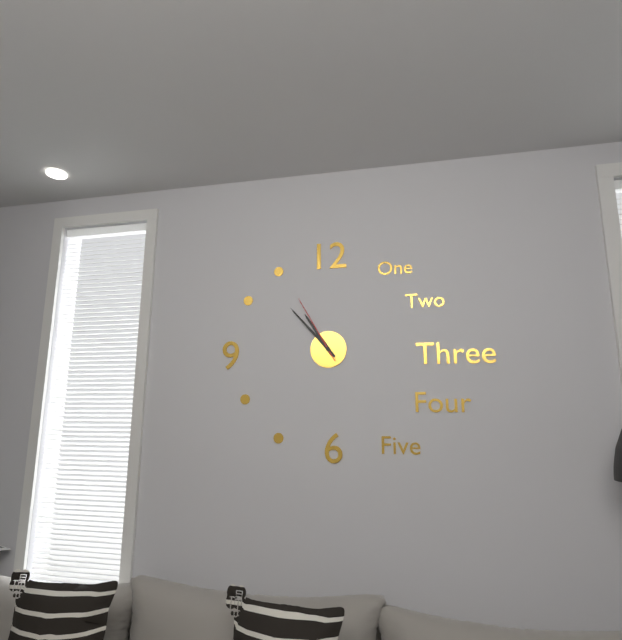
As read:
10,53,55
